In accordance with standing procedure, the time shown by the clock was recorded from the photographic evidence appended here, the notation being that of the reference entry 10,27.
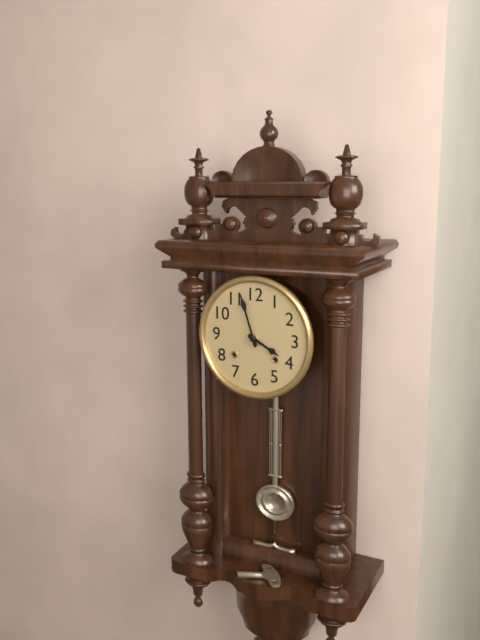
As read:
3,57
